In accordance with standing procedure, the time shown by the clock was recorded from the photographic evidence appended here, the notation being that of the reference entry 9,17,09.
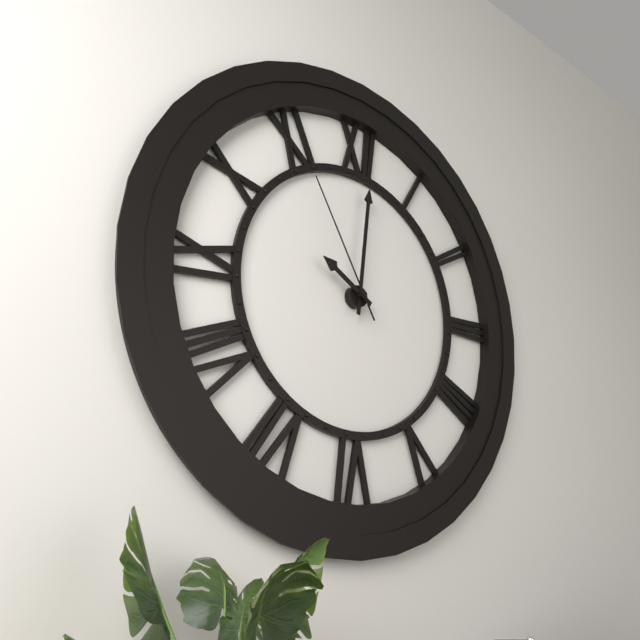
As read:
10,01,55
